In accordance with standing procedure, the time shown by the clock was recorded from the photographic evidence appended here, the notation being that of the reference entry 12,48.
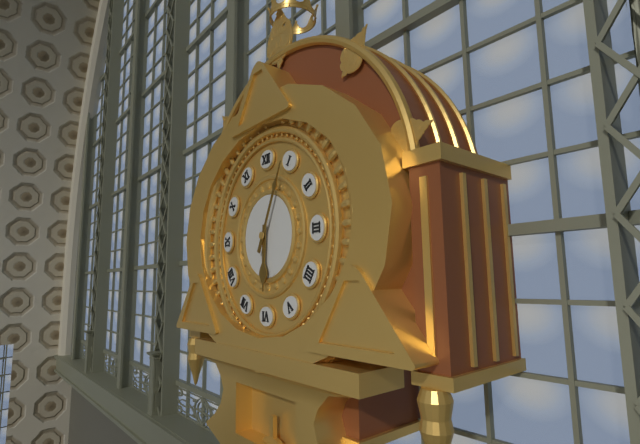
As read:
6,04
